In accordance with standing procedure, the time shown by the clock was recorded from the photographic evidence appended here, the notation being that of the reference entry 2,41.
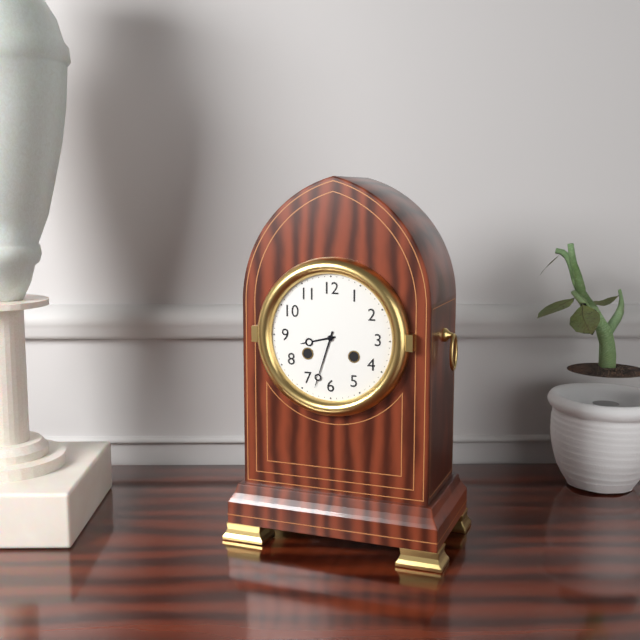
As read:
8,33
